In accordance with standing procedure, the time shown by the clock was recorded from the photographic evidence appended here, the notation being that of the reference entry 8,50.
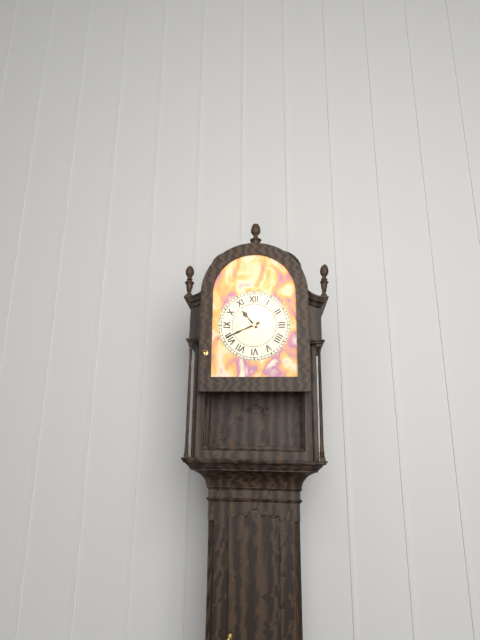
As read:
10,41
